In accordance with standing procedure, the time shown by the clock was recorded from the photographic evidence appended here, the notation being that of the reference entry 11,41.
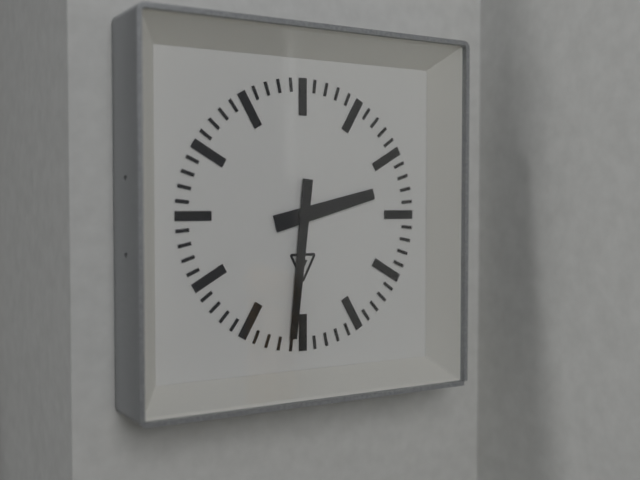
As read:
2,31
